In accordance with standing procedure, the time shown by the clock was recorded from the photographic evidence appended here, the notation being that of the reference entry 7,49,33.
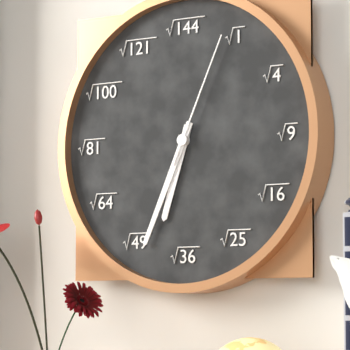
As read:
6,34,04
